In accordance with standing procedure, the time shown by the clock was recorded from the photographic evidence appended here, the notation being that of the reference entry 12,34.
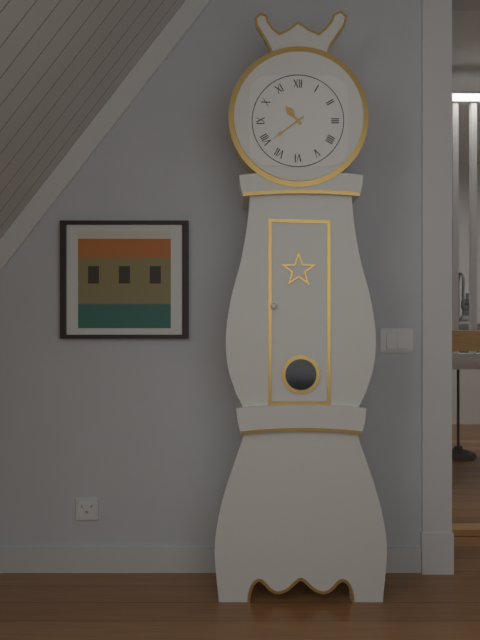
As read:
10,39
